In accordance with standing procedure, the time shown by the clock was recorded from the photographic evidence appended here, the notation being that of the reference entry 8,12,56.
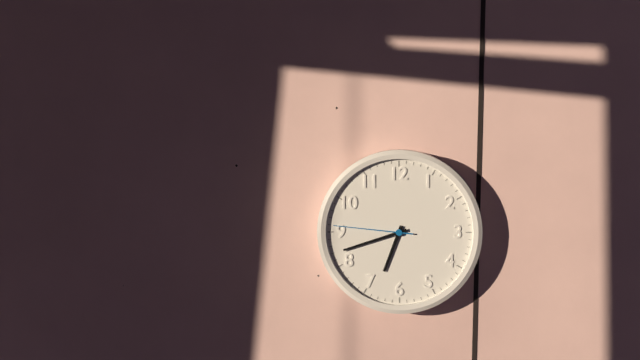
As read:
6,42,46
